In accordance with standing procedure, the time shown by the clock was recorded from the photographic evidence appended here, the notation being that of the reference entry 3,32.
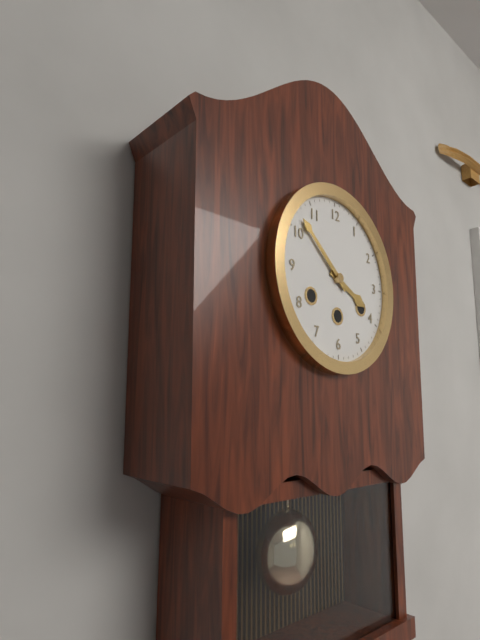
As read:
3,52
